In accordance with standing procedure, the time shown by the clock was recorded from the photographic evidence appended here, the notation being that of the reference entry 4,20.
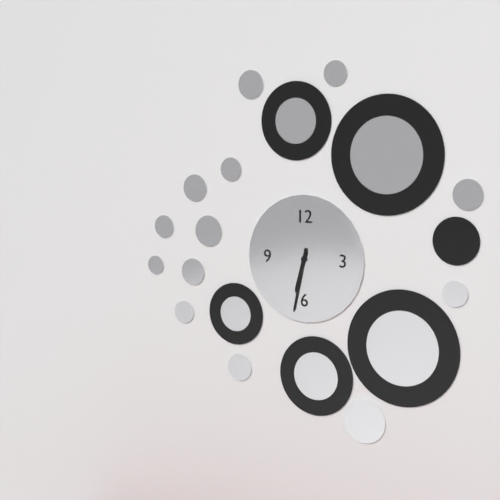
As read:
6,32
